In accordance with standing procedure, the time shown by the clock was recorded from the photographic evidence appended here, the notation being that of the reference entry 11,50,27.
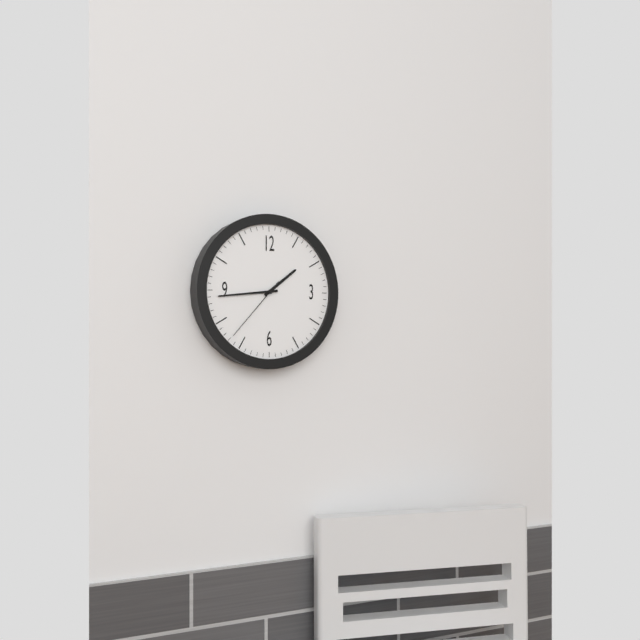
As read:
1,44,37
